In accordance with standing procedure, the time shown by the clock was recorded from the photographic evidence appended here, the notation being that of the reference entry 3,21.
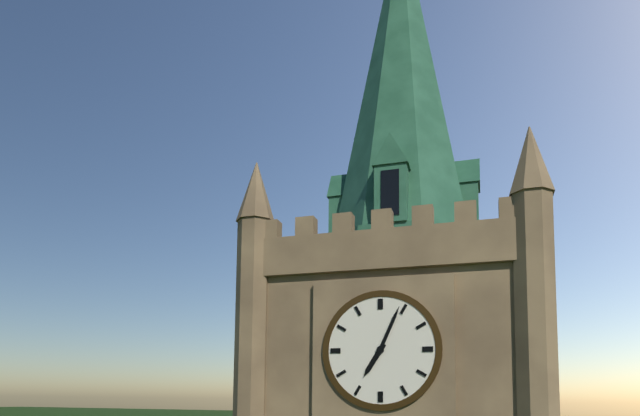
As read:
7,04
